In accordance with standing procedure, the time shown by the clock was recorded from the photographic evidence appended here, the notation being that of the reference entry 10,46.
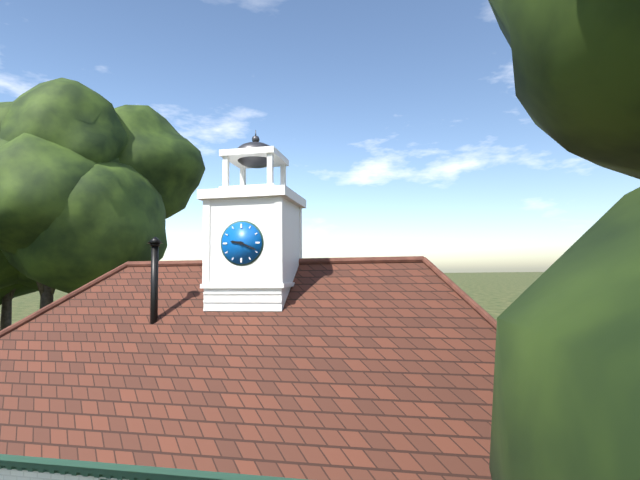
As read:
9,19
